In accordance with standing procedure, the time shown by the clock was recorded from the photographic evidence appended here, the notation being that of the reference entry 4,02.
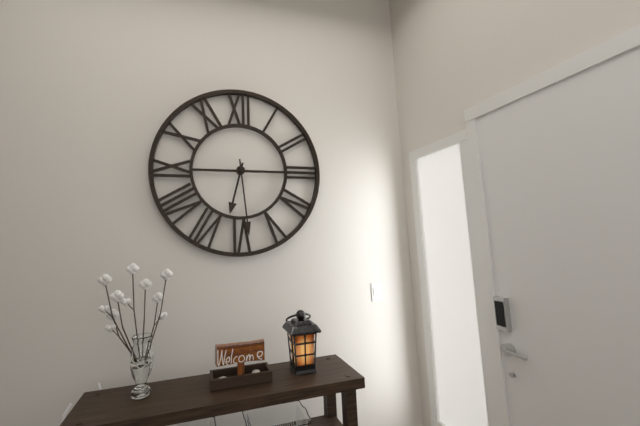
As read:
6,29
